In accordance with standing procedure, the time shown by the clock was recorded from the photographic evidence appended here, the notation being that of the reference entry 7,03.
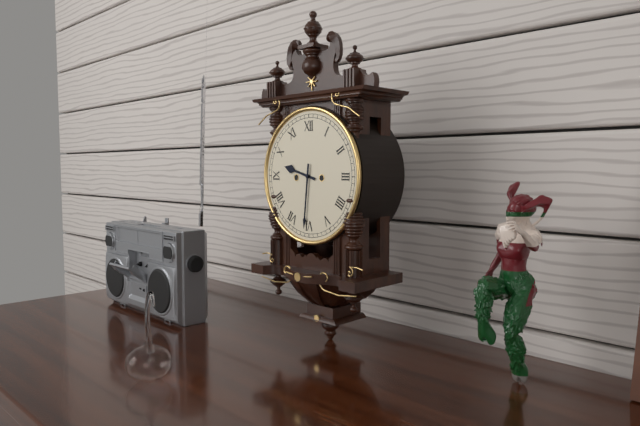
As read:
9,31
